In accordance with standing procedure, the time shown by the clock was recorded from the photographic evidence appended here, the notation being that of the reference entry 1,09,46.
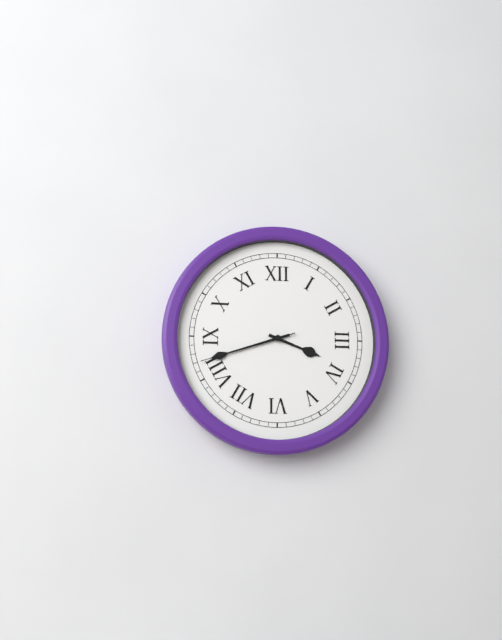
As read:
3,42,42
